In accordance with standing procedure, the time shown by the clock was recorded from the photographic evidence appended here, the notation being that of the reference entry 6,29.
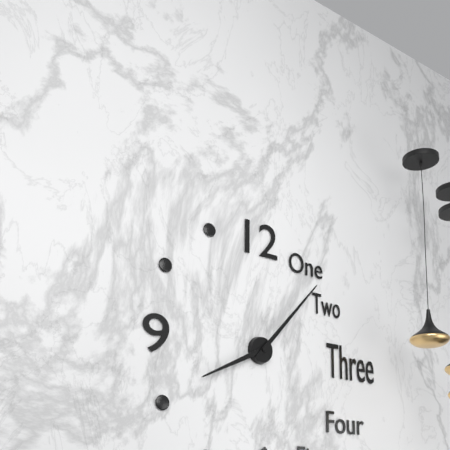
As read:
8,07
